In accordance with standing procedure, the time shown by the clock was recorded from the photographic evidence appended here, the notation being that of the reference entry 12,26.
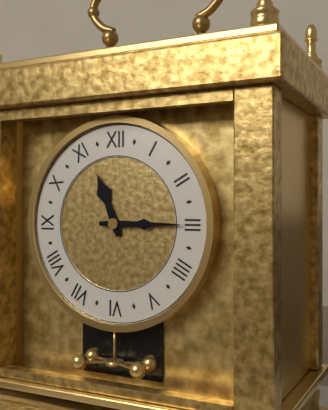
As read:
11,15
